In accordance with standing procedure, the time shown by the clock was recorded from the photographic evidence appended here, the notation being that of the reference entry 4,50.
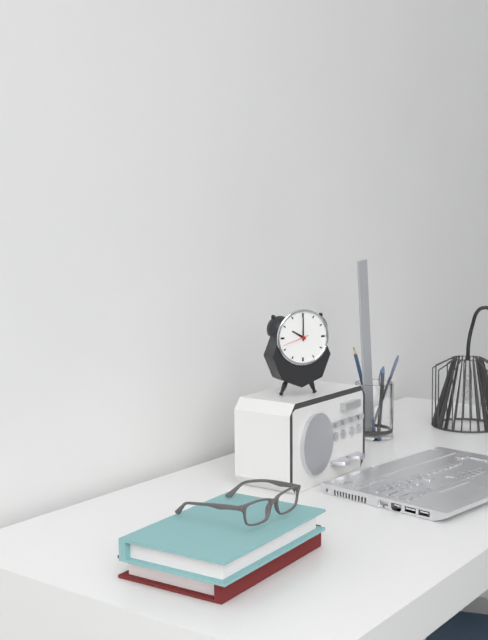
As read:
10,00
